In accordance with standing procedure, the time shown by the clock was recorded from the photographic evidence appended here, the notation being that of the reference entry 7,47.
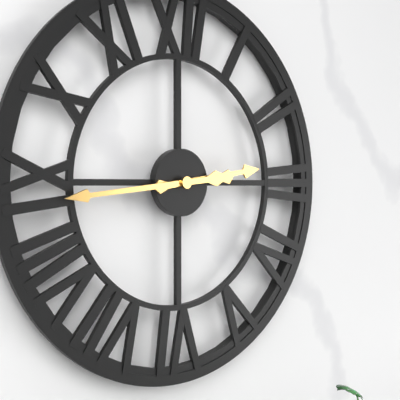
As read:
2,44
